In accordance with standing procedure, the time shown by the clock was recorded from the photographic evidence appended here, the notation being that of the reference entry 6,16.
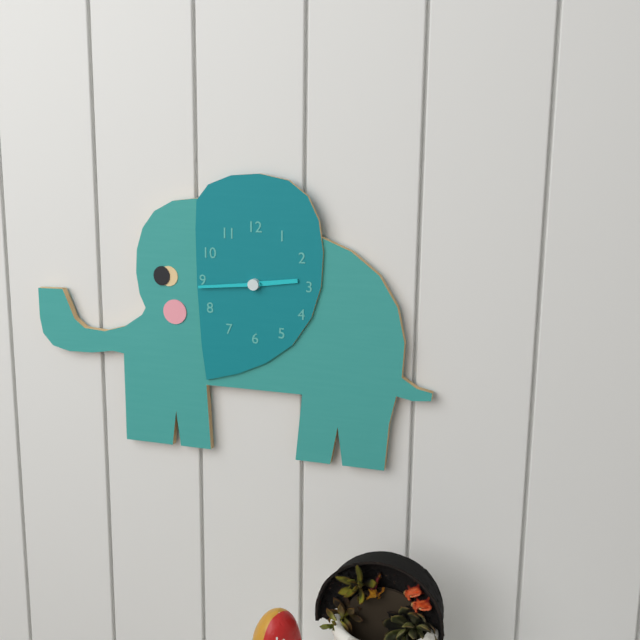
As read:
2,44
